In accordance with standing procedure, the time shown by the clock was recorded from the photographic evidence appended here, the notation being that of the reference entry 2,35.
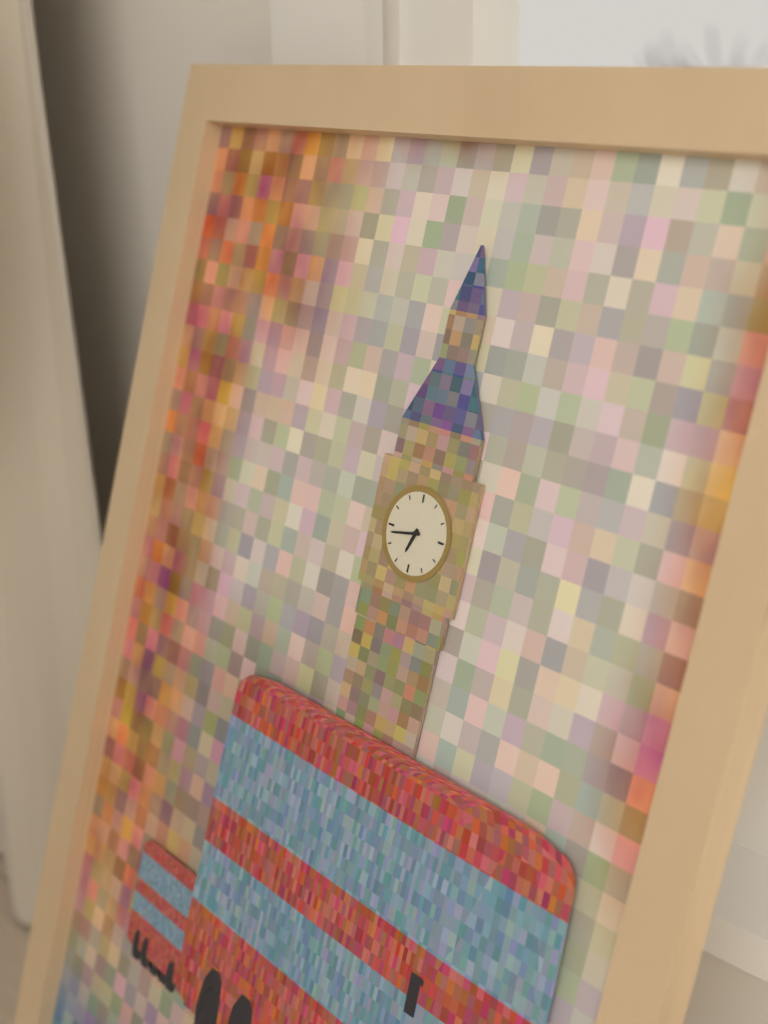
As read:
6,43
